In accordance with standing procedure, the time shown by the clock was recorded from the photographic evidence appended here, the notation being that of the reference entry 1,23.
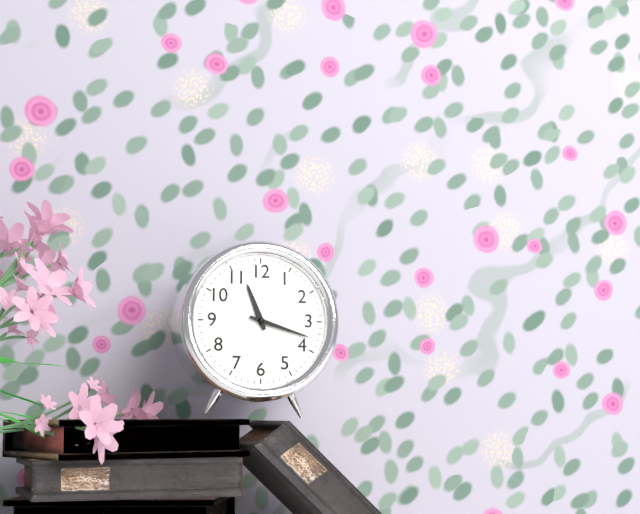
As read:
11,18
